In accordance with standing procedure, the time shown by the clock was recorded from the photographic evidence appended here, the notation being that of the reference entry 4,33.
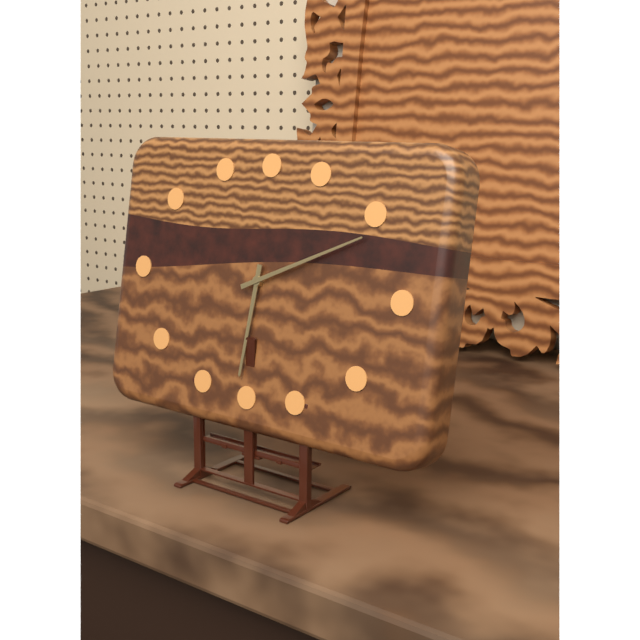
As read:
6,11
